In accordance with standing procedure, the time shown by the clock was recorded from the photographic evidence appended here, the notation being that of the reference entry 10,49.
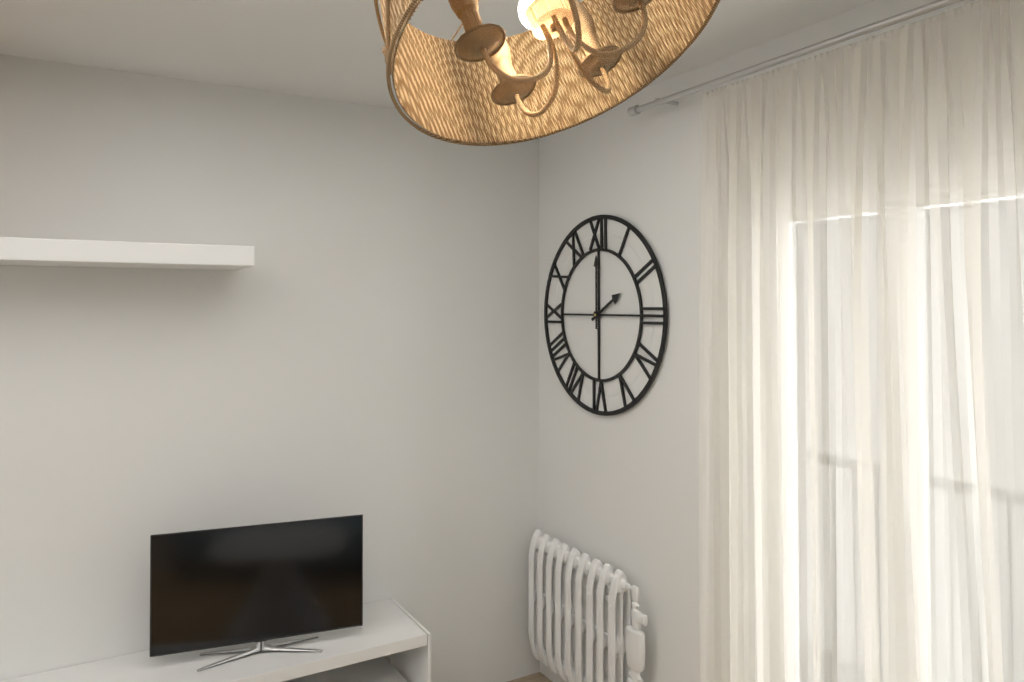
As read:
2,00
